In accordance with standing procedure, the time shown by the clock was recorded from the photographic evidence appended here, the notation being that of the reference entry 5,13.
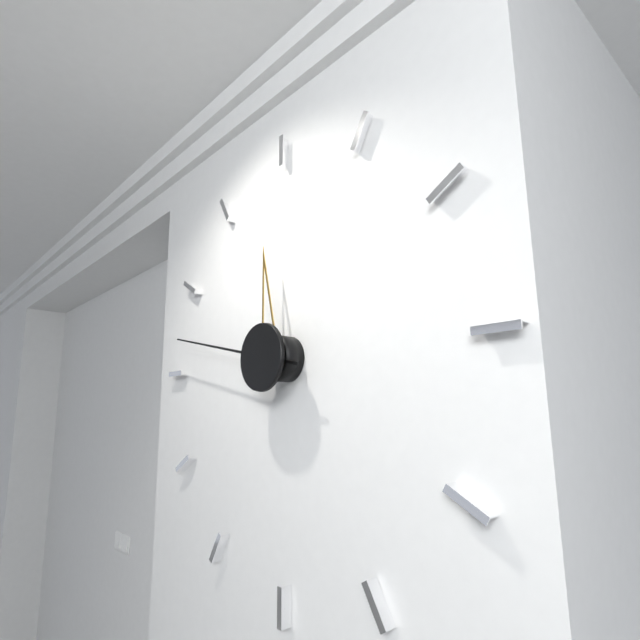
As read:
11,47
